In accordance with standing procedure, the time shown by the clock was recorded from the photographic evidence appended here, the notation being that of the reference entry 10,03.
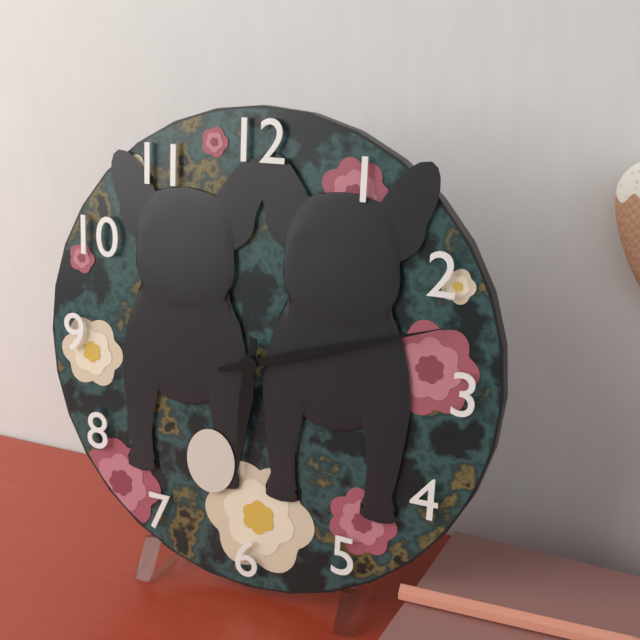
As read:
6,12
